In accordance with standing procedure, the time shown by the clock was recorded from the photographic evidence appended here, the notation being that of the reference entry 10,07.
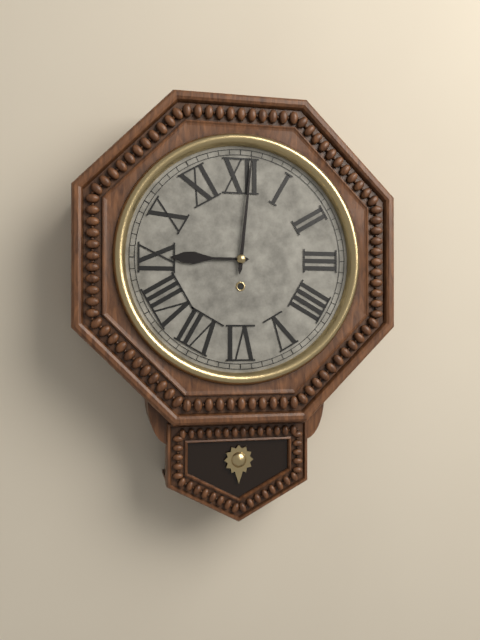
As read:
9,01
